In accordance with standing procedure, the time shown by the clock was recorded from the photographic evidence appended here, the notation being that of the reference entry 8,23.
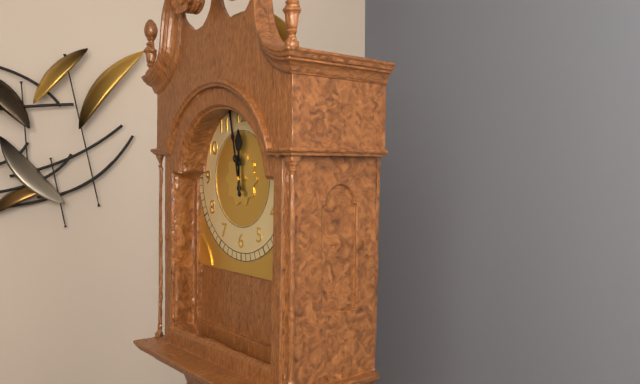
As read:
11,58
